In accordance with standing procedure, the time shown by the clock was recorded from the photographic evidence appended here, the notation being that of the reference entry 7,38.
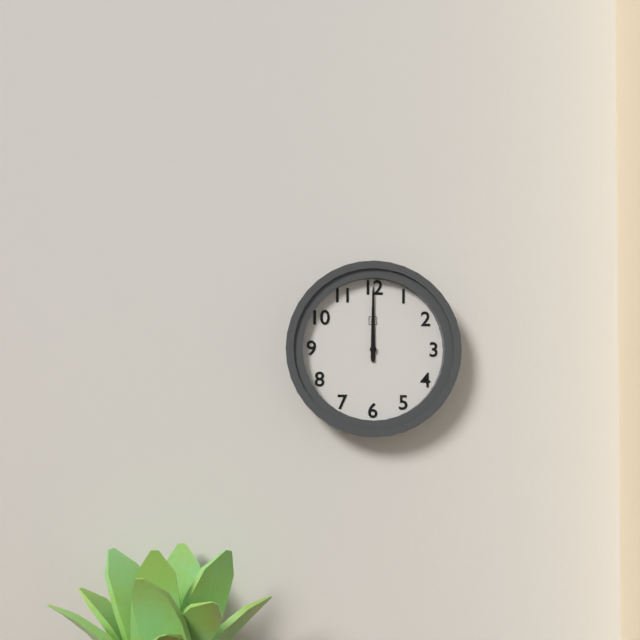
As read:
12,00
